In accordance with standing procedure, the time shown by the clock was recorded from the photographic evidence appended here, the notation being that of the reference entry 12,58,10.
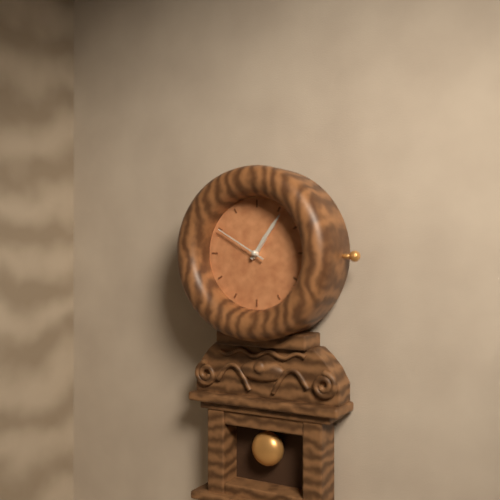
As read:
1,06,50
